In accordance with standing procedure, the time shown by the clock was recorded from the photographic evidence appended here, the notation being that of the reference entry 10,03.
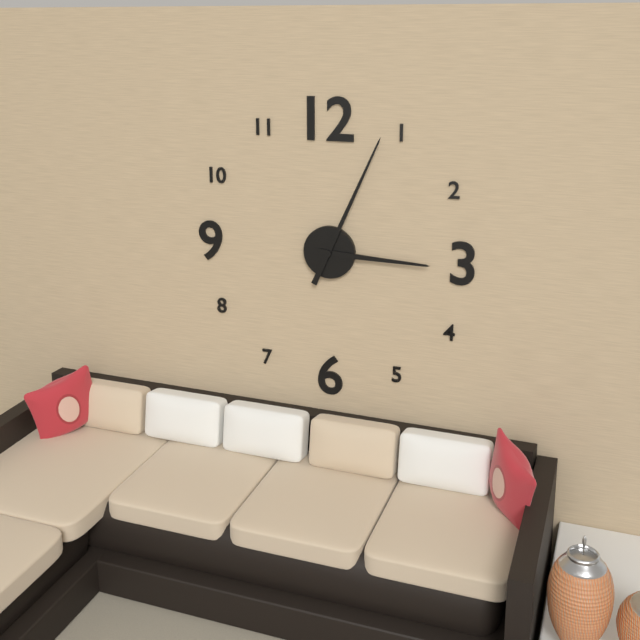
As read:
3,04
